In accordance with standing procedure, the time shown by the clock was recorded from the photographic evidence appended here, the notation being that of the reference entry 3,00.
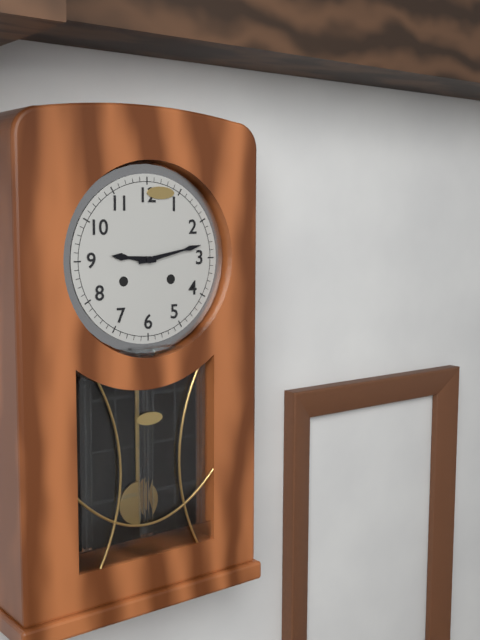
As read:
9,13
